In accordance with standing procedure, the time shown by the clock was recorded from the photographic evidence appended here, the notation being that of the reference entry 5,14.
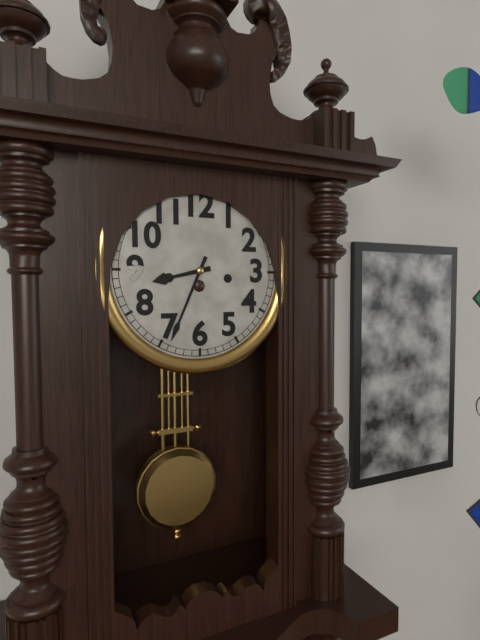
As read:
8,34
